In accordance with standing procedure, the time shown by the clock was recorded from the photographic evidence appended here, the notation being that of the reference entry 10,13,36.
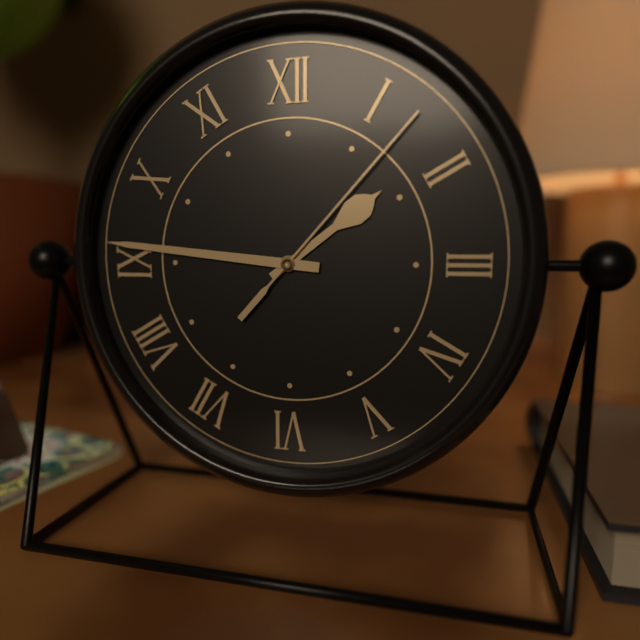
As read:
1,46,07
